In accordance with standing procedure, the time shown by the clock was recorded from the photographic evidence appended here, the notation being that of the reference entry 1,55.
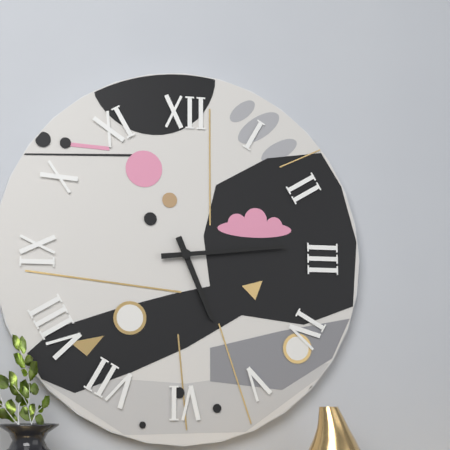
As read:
5,14
